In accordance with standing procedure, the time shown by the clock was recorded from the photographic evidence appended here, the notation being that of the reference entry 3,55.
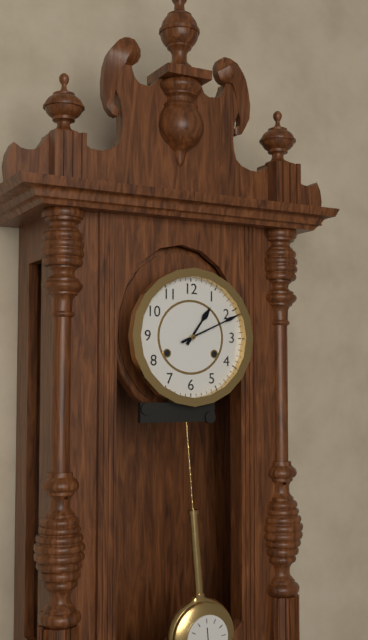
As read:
1,11
